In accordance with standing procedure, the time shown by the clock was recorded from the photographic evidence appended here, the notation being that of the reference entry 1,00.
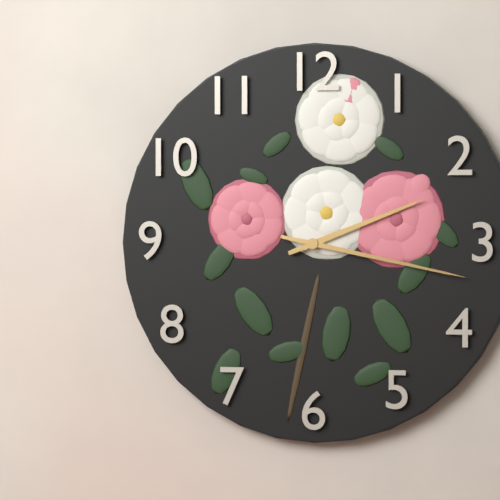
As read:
2,17
